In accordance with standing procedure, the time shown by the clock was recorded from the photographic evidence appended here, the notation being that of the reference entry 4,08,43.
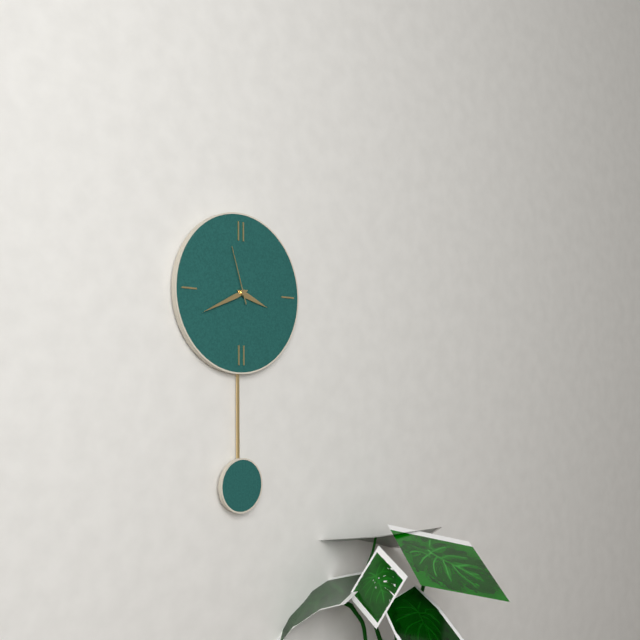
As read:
3,41,57
